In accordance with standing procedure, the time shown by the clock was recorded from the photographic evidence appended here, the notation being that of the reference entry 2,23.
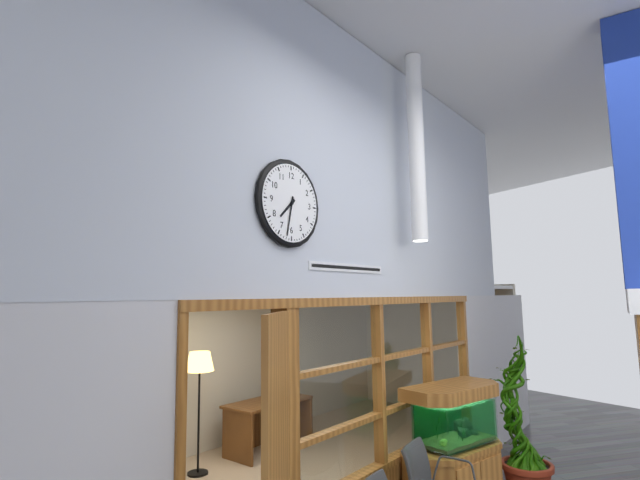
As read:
7,32
